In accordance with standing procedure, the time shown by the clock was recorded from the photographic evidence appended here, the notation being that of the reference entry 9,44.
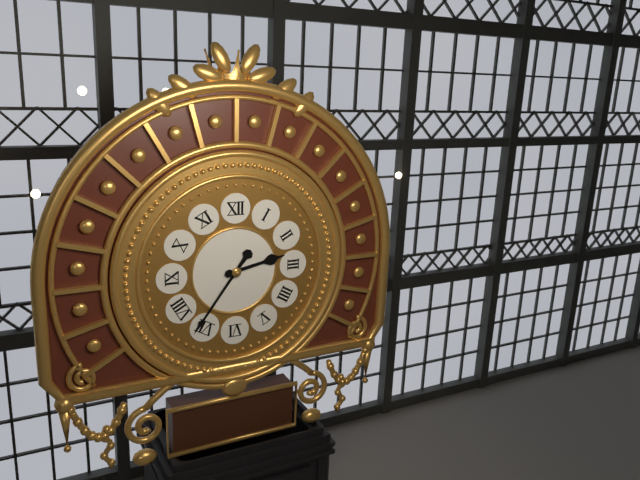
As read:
2,36
